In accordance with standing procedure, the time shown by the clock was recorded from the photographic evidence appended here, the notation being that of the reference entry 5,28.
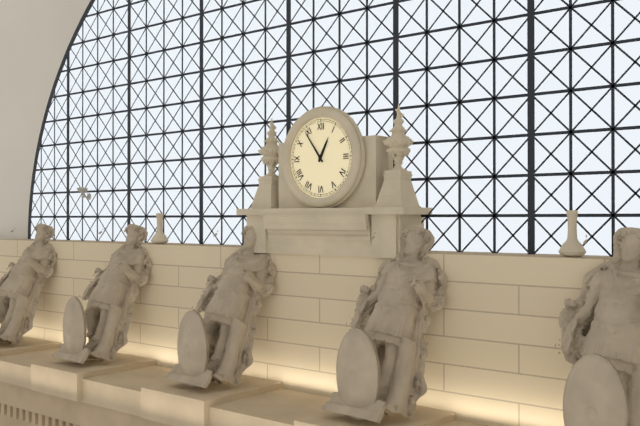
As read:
12,54
